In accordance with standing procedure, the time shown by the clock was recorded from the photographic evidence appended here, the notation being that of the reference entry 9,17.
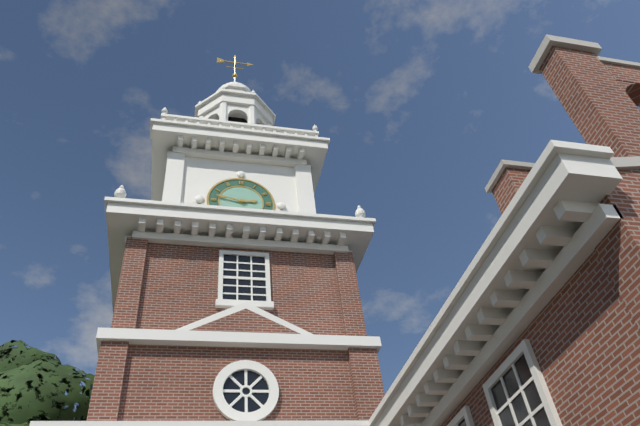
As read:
2,47
